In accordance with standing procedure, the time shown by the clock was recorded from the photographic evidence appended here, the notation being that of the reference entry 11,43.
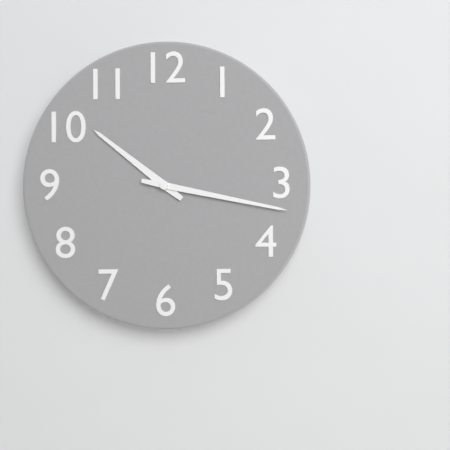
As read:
10,17
